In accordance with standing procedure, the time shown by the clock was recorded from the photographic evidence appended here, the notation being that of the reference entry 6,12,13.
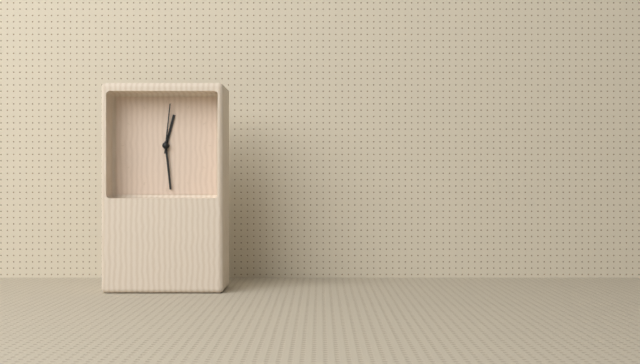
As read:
12,29,01
